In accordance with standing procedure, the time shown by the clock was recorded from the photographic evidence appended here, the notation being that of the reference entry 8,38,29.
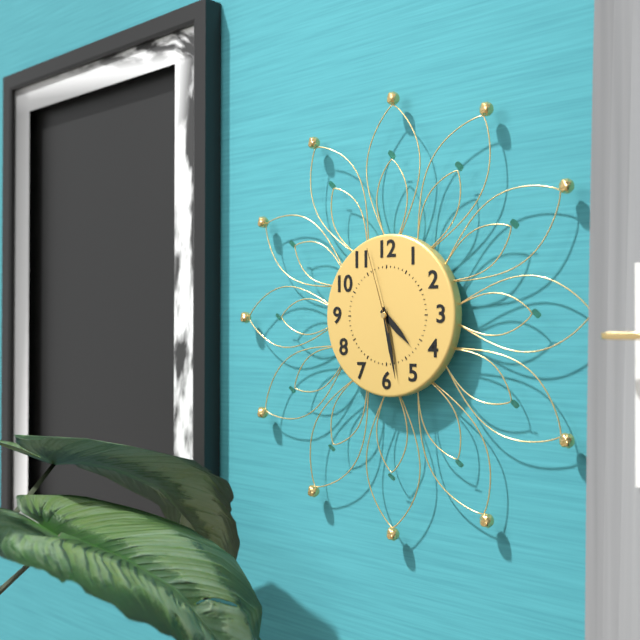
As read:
4,28,57
